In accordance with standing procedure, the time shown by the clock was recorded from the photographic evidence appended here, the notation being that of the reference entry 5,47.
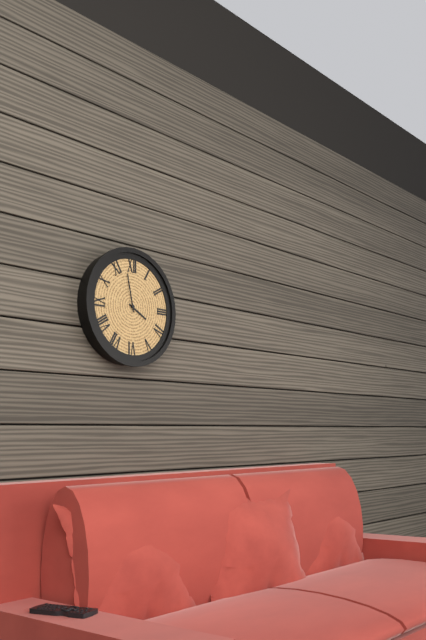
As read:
3,58
